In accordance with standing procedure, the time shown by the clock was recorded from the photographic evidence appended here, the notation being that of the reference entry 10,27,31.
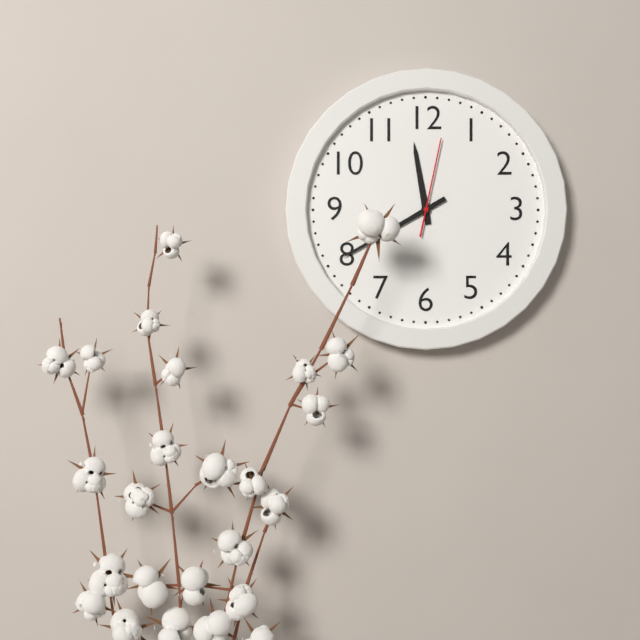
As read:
11,40,02
